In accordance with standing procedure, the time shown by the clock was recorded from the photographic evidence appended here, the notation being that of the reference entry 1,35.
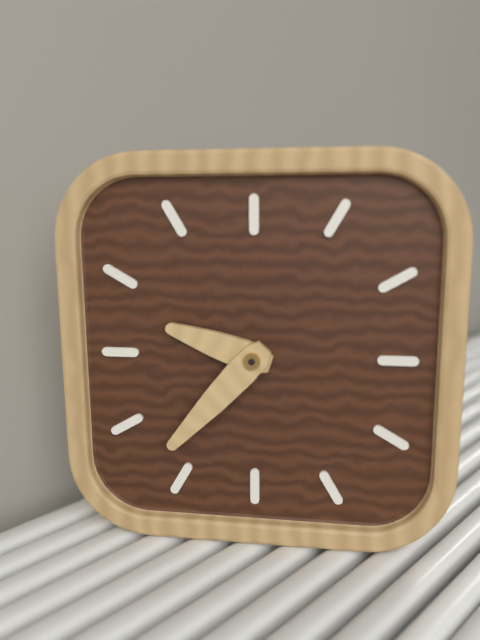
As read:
9,37
